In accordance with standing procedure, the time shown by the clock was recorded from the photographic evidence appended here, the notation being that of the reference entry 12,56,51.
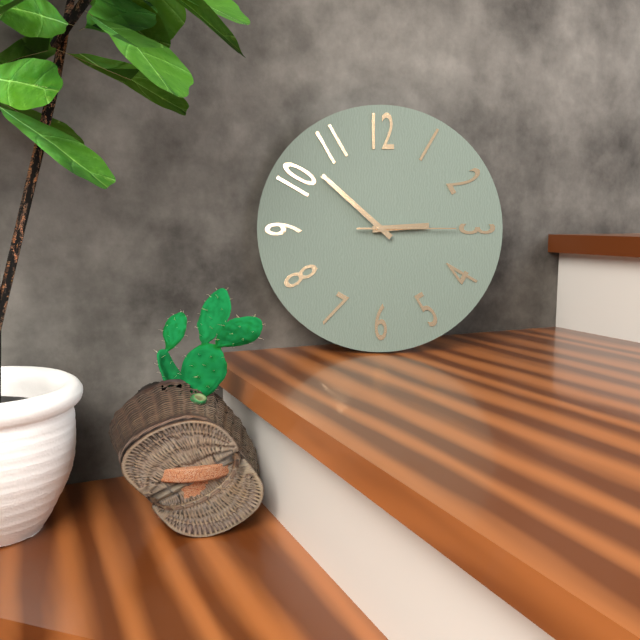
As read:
2,52,15
